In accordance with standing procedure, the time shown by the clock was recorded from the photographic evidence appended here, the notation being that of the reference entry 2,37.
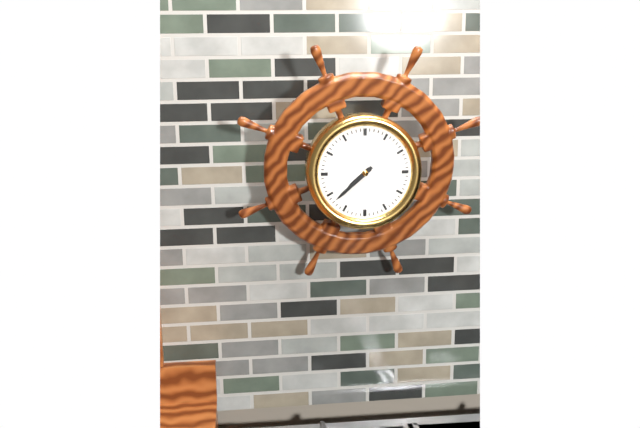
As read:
7,38
